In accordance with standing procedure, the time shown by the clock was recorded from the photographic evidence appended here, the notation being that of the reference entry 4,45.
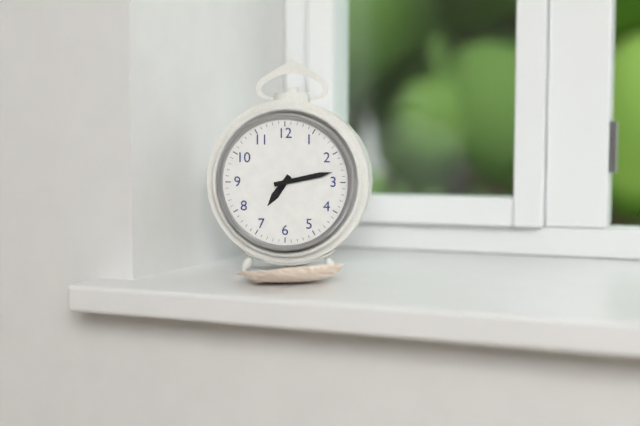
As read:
7,13
